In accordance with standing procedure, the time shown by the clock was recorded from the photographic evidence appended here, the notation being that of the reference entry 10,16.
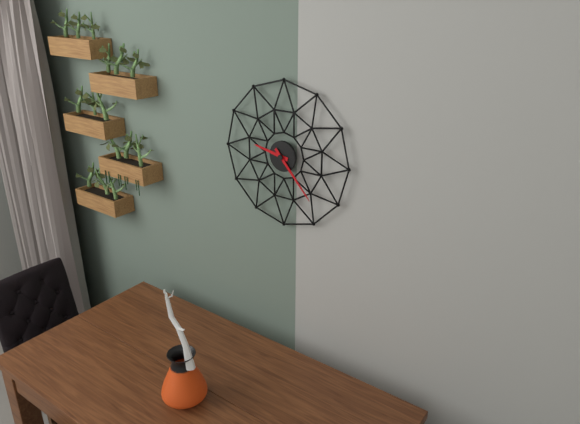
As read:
9,23
